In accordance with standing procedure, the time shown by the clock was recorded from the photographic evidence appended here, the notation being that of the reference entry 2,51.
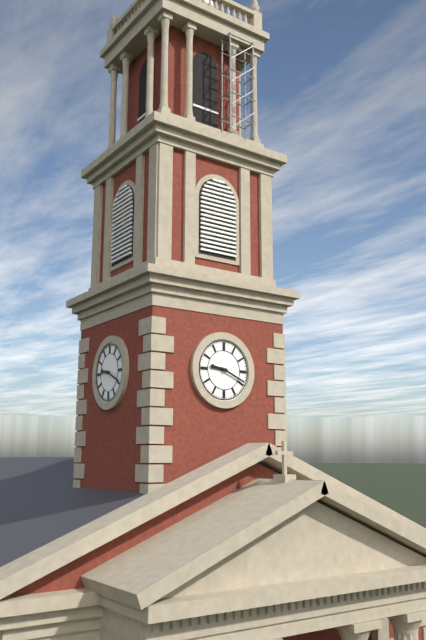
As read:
9,19
